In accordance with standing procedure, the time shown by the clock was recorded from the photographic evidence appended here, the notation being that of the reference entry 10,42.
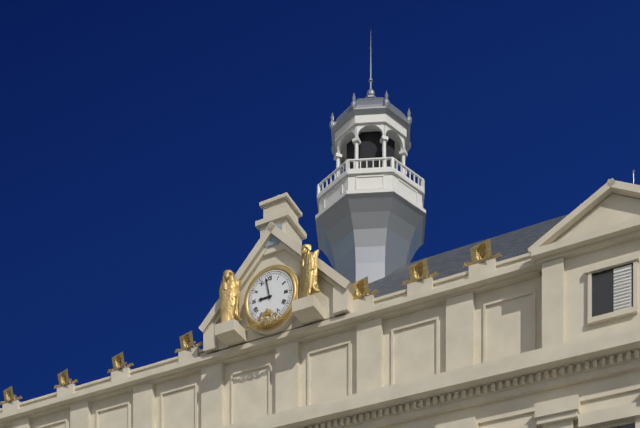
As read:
8,58
